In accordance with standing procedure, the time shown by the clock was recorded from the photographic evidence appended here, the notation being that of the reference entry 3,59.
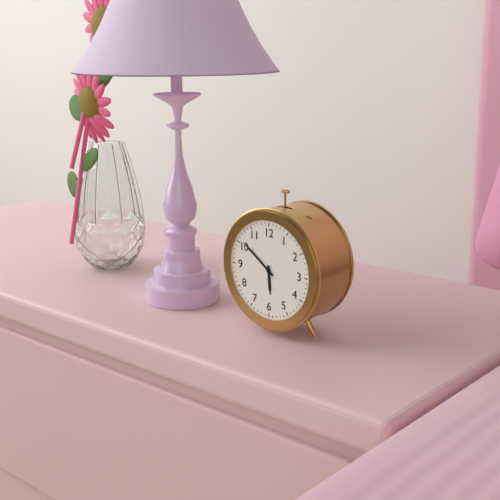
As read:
5,51
